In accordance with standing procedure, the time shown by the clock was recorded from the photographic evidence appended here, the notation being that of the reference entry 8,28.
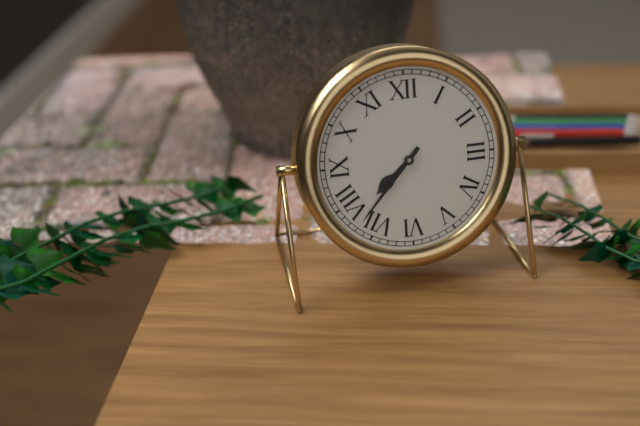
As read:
7,37
